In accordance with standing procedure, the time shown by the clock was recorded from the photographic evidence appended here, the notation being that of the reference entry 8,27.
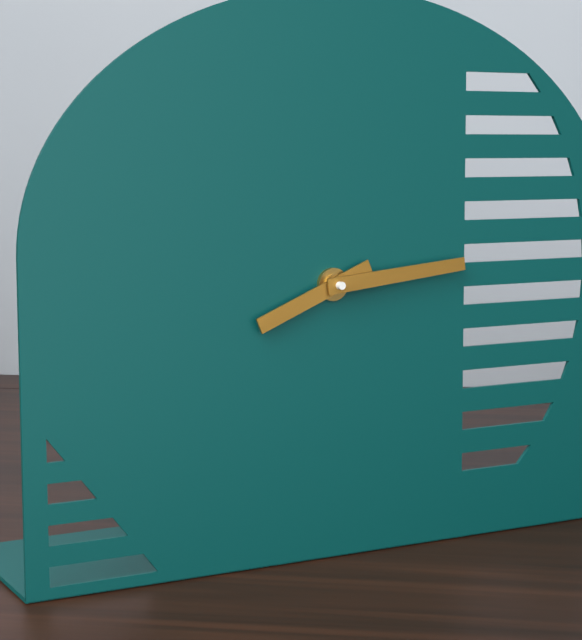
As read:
8,14
